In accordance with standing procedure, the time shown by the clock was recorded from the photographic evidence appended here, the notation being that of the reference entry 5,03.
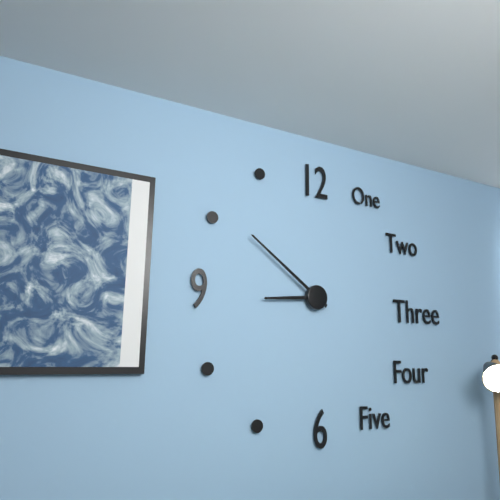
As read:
8,51
